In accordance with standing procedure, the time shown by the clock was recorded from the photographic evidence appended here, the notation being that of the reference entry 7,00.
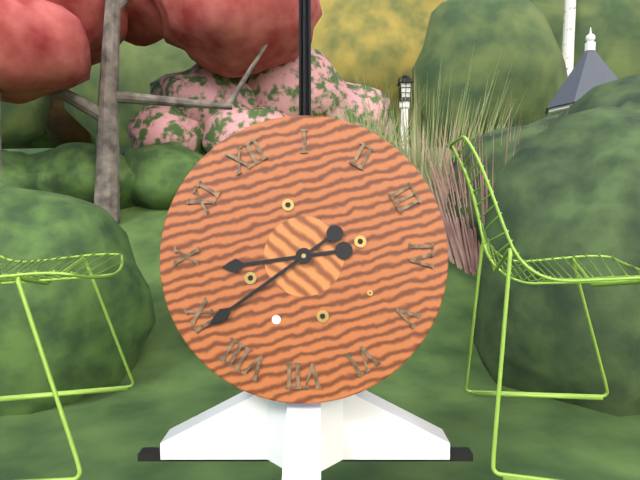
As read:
9,44
